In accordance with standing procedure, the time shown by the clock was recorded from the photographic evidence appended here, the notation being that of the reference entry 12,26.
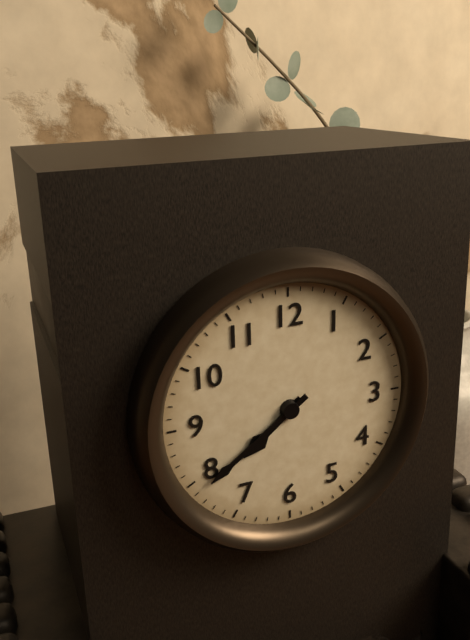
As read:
7,39
